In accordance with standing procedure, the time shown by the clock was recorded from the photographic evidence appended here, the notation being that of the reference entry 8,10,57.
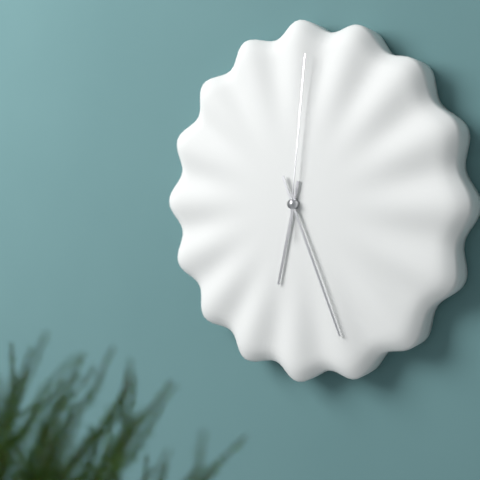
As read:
6,26,01
